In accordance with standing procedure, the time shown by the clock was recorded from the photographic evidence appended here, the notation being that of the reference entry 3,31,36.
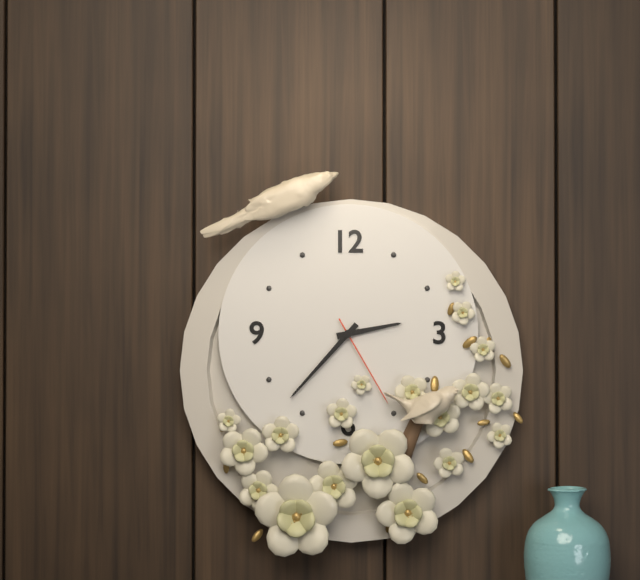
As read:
2,37,25
